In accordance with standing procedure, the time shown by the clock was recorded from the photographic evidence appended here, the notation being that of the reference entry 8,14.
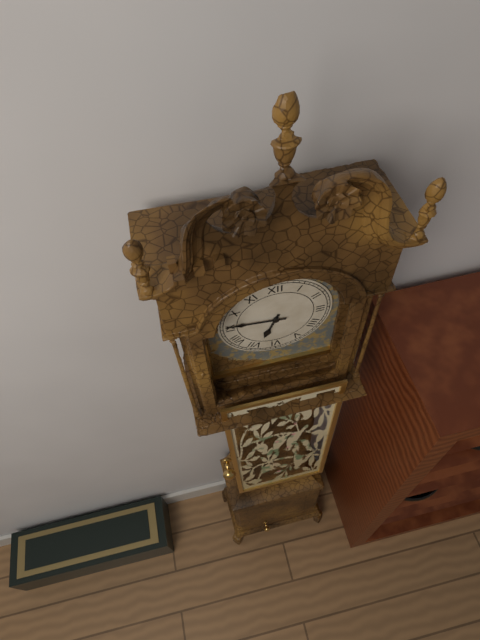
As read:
6,46
